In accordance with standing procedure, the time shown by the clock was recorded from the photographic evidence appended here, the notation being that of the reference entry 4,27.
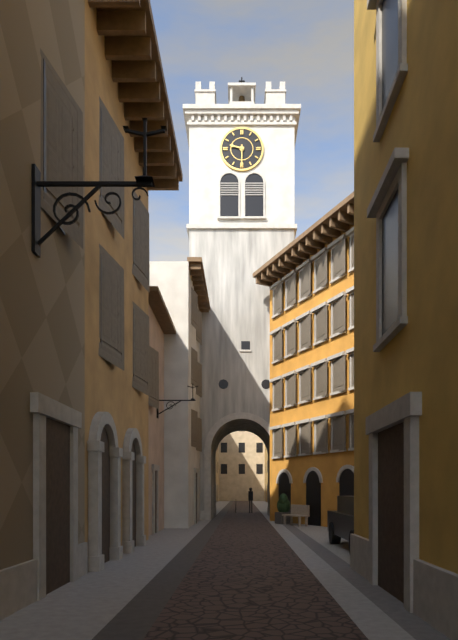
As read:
9,30
